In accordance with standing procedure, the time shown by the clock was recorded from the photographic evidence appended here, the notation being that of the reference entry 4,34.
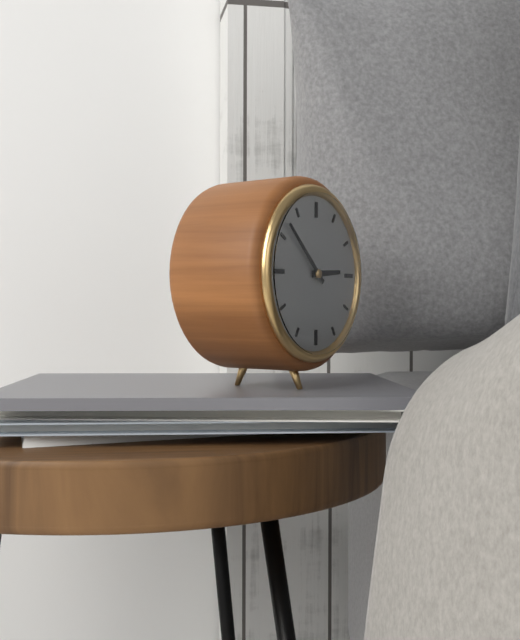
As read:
2,52
